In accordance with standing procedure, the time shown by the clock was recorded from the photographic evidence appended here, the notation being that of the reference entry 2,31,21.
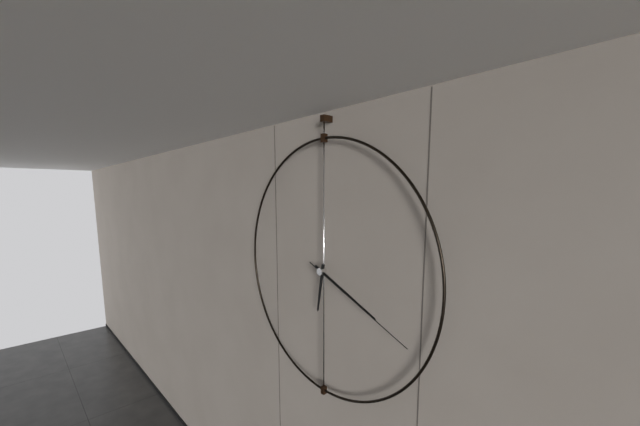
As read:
6,19,19
